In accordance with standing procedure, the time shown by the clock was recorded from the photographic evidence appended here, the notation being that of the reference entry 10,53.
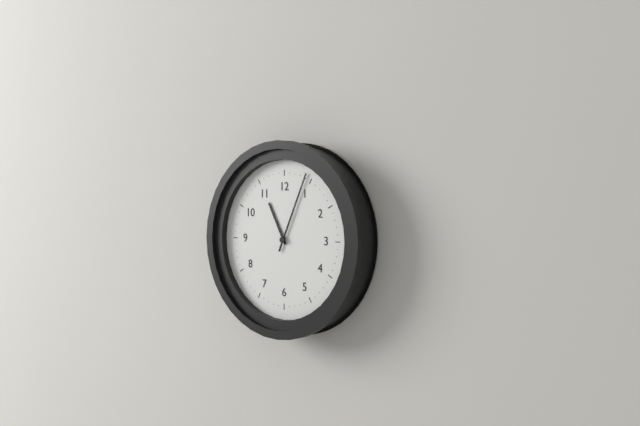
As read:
11,04
